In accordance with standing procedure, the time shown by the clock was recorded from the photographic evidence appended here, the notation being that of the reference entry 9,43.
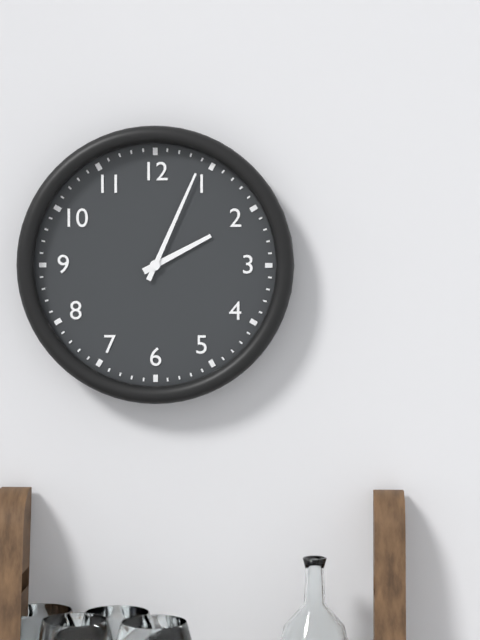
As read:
2,04
